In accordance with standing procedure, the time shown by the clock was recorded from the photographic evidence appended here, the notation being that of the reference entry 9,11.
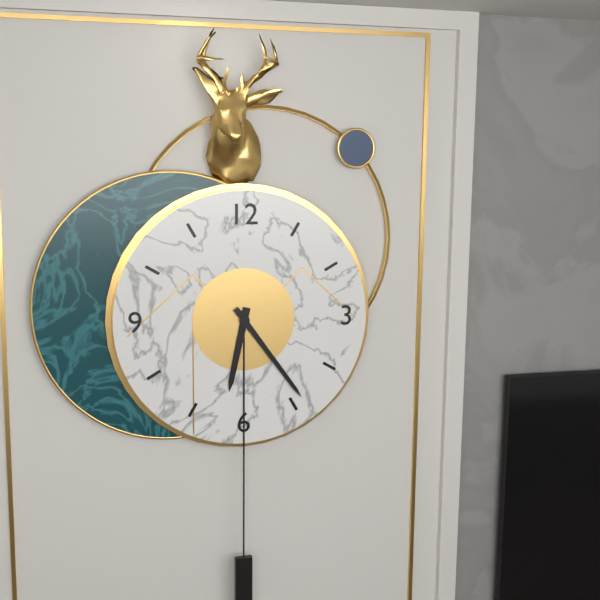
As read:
6,24
